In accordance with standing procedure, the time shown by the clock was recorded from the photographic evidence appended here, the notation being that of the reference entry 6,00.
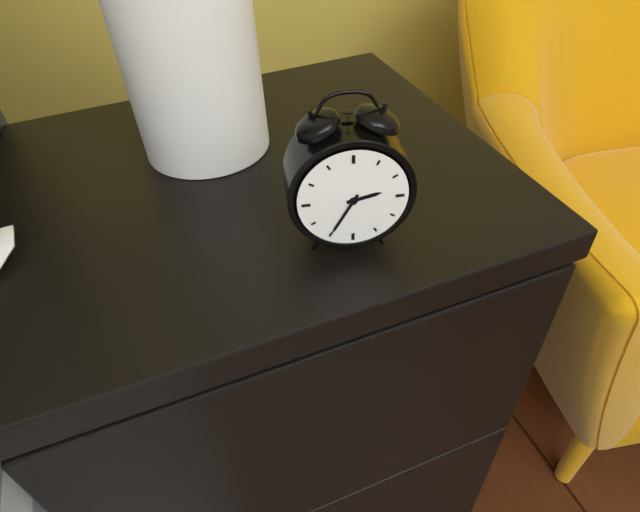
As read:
2,35
